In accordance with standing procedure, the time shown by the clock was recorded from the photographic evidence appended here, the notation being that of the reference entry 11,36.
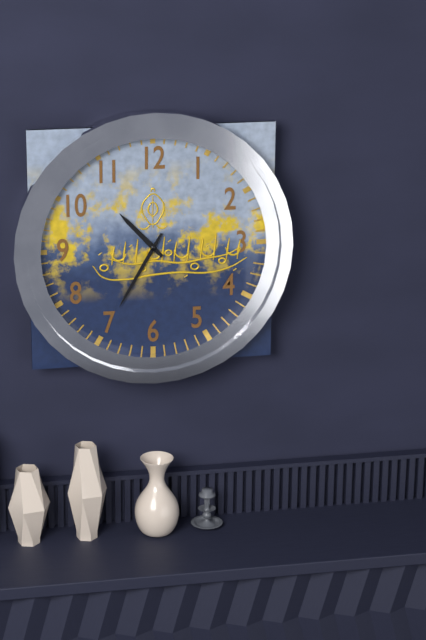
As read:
10,35
